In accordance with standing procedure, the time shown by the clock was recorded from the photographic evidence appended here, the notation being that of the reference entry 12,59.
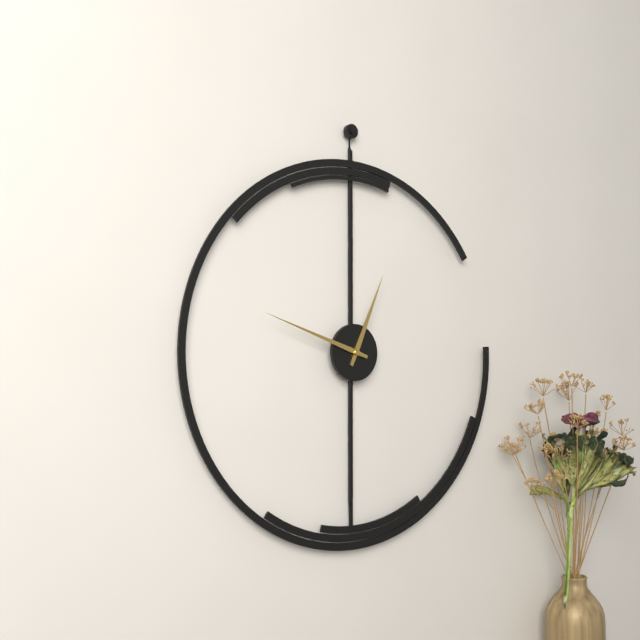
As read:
12,48
